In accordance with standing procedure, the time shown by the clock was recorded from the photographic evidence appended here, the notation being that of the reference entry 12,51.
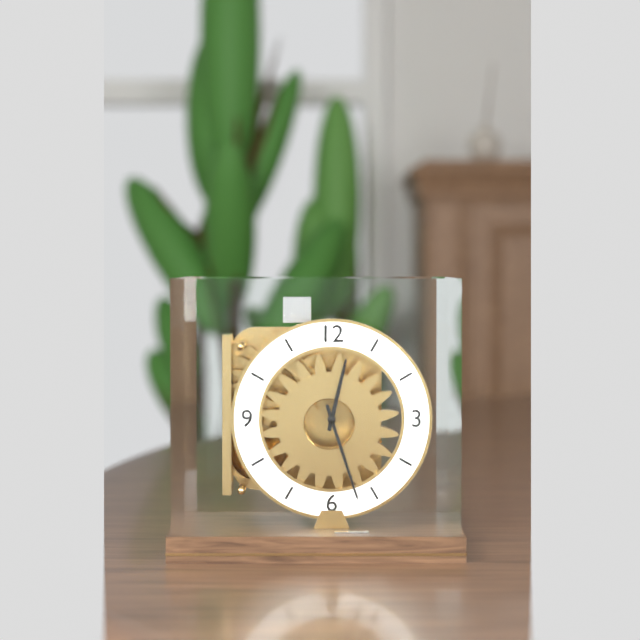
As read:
12,27
